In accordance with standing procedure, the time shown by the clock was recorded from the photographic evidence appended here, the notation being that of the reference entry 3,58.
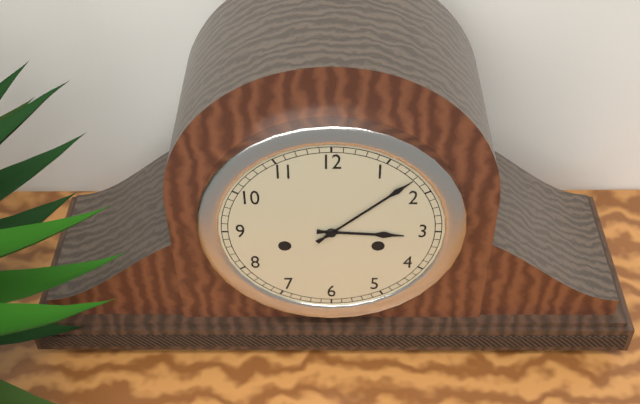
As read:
3,08
